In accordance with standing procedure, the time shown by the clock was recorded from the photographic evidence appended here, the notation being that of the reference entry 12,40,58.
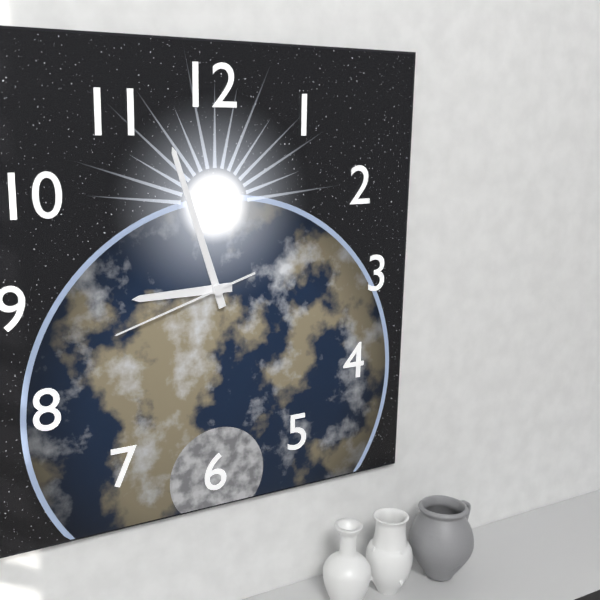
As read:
8,57,42
